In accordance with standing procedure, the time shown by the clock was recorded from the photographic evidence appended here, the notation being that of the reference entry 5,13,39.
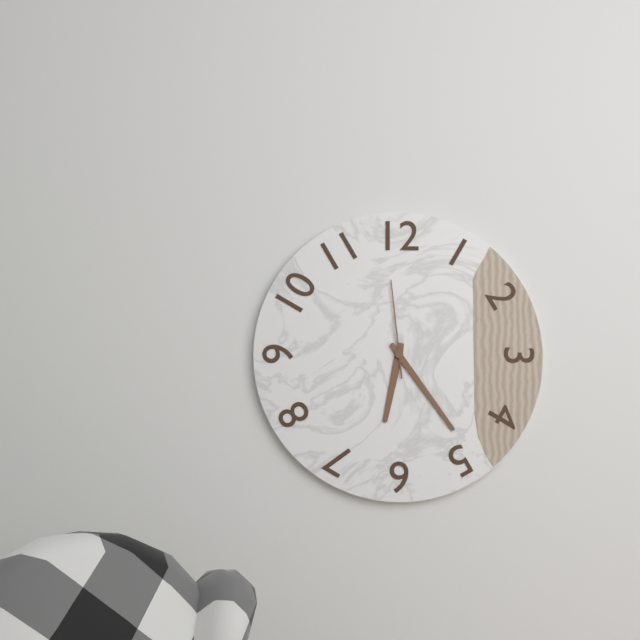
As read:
6,24,59
